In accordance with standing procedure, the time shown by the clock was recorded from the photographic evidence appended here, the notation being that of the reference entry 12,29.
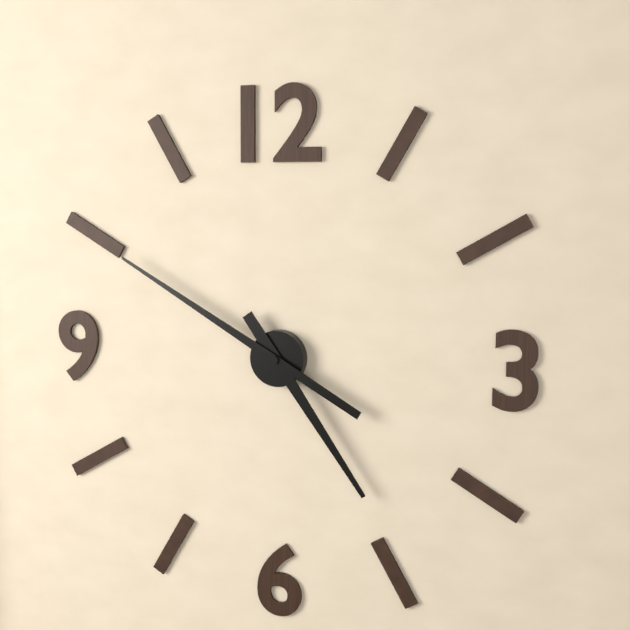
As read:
4,50
